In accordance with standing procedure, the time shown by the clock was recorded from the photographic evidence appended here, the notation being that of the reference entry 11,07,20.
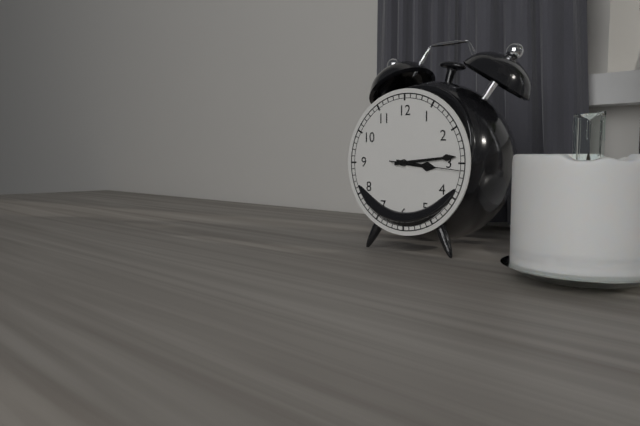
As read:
3,14,16
